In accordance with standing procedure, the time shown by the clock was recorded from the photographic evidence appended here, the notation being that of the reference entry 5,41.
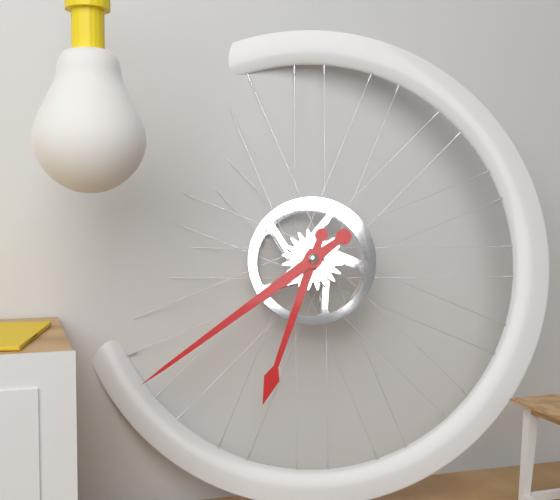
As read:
6,39
